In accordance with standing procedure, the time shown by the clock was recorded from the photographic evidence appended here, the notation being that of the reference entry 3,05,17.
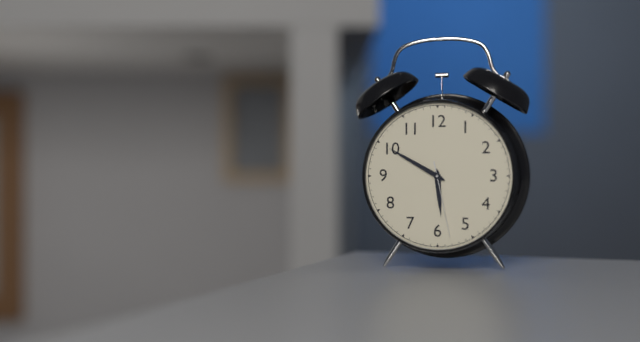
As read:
5,50,28
